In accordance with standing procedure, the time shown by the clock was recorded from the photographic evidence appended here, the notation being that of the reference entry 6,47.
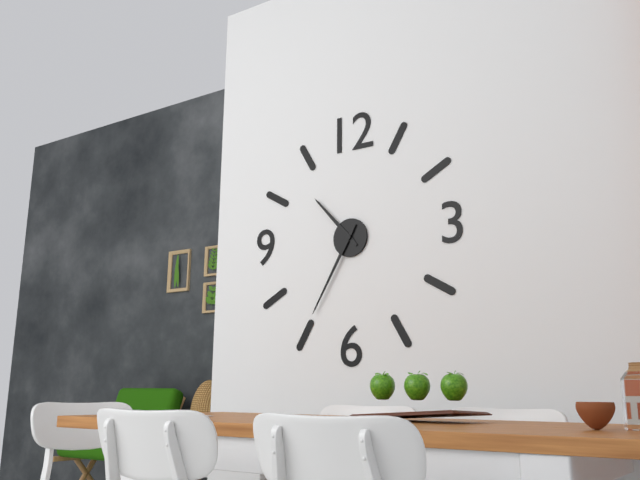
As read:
10,35
